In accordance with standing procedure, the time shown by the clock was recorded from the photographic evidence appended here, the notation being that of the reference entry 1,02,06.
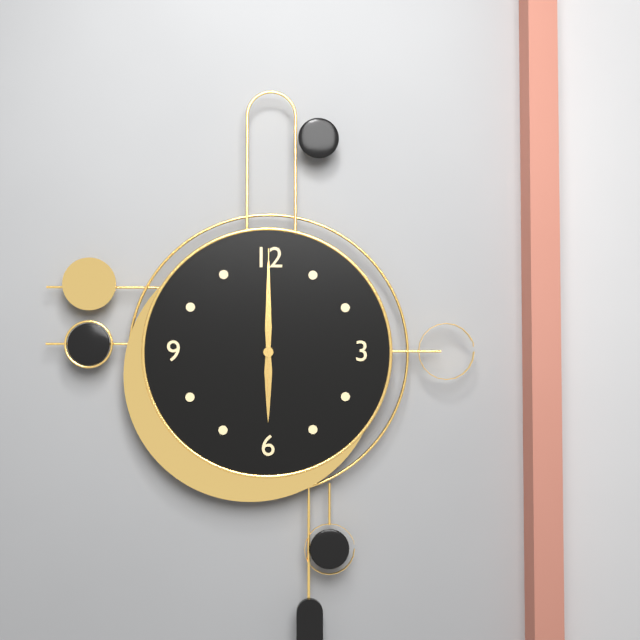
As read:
6,00,00
